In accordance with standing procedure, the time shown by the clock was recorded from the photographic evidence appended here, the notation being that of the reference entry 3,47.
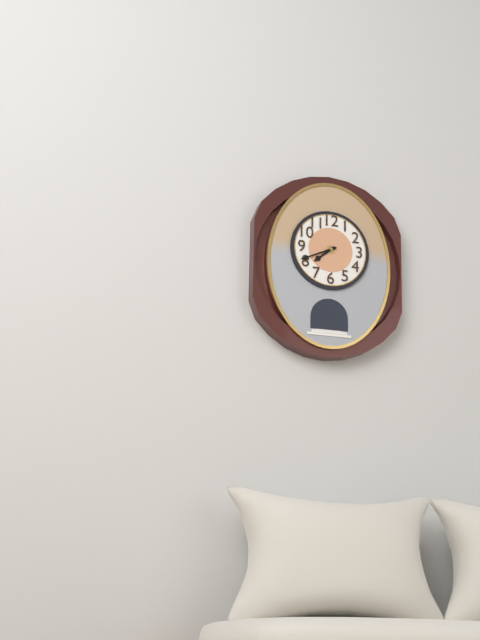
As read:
7,41
